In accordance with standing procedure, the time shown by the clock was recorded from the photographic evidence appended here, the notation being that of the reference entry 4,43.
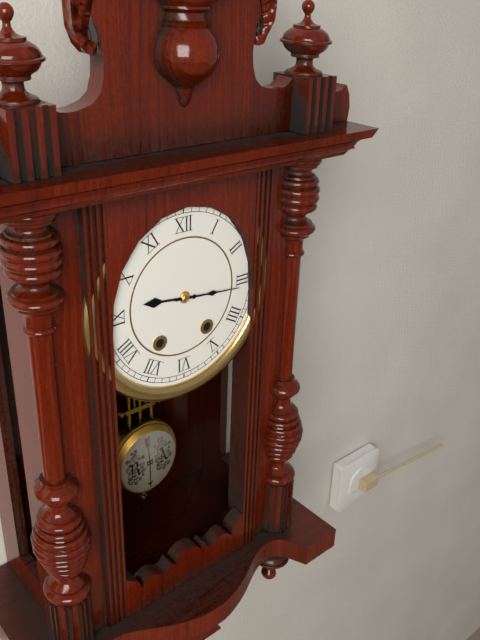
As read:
9,16
